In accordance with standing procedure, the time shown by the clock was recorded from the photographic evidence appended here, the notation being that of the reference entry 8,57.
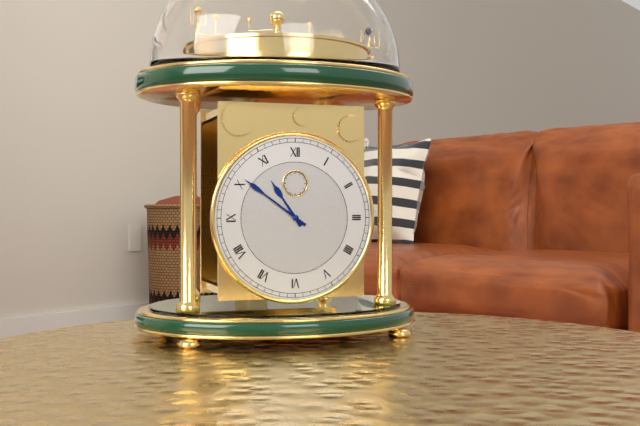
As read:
10,51
